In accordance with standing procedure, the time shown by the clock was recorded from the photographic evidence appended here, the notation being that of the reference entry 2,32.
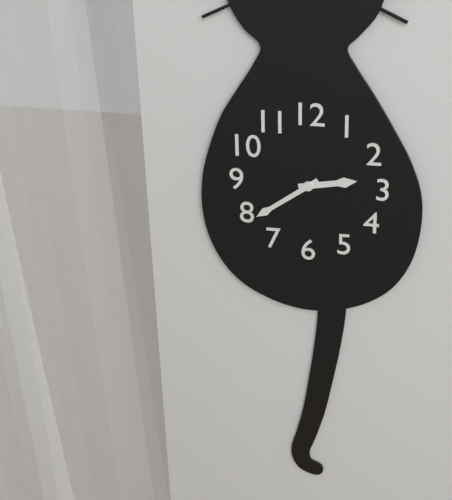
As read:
2,39
